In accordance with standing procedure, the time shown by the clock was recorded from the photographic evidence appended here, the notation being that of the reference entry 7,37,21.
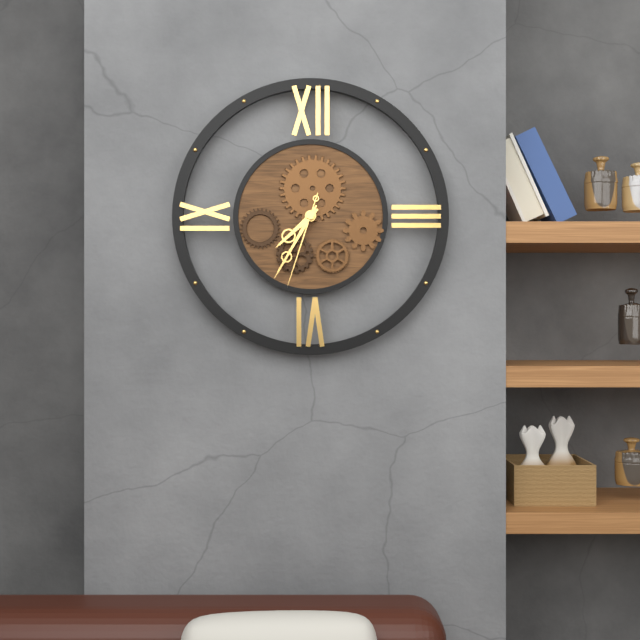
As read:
7,35,33
